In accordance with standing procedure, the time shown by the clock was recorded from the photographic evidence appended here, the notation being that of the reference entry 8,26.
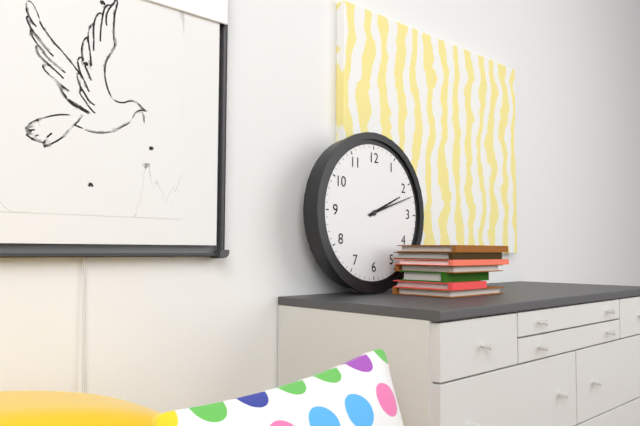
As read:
2,12
